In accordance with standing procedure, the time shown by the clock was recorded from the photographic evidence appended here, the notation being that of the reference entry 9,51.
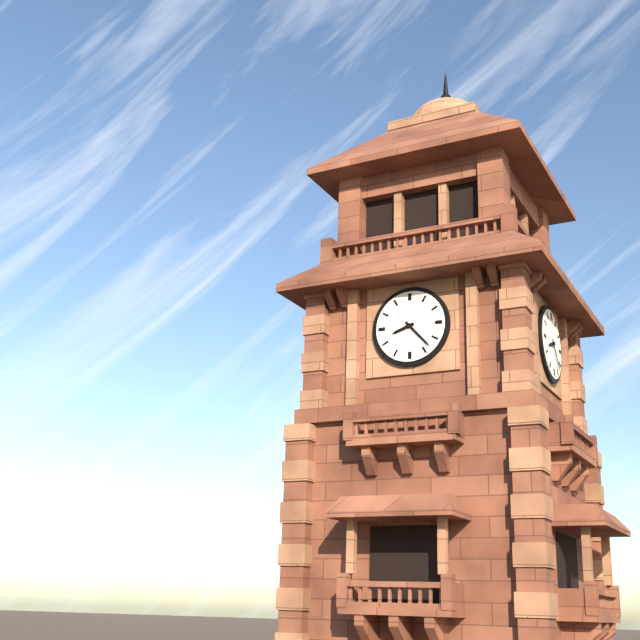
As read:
8,23
